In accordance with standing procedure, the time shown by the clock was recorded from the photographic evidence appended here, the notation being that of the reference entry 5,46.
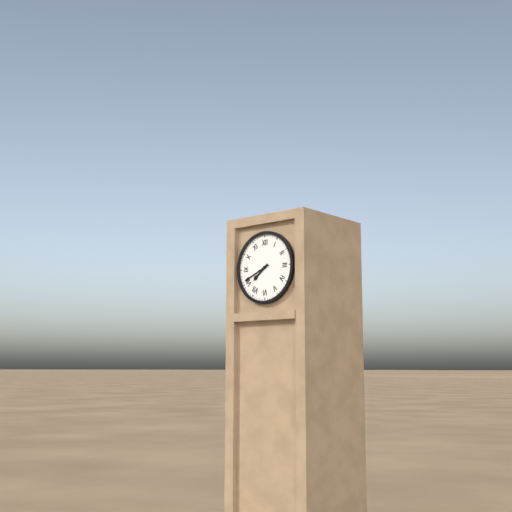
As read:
7,41
